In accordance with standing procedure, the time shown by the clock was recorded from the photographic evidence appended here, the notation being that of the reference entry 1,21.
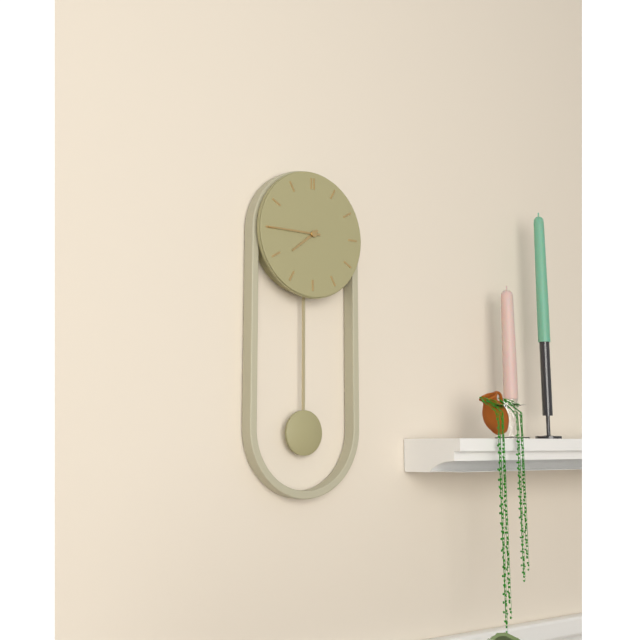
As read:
7,45
